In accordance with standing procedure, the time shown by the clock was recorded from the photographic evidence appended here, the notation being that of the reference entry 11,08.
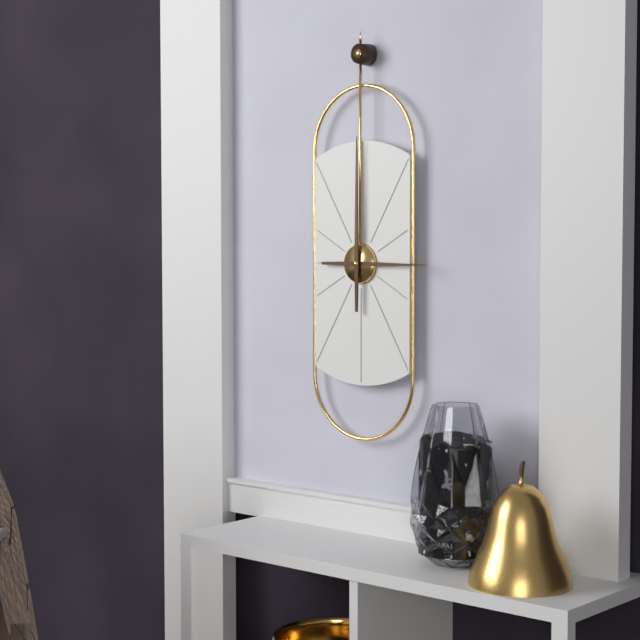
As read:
3,00
